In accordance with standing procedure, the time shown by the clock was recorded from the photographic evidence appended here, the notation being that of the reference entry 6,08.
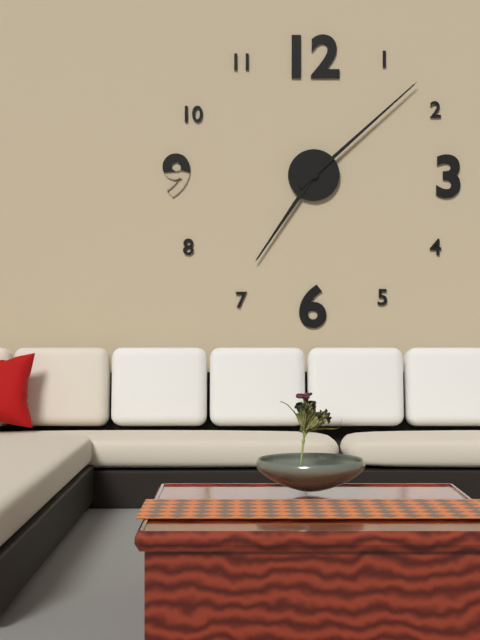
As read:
7,08
